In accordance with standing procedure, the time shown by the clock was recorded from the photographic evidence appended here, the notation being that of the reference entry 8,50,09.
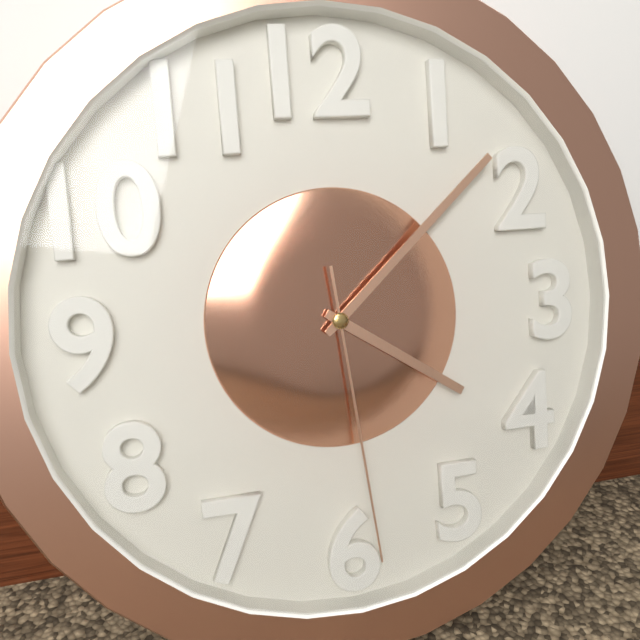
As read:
4,08,29
